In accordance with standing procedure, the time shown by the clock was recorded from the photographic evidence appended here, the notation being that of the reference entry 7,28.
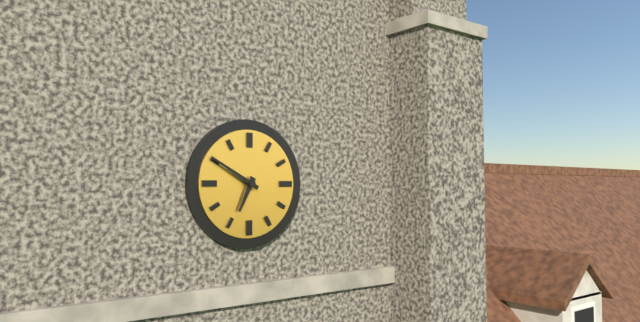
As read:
6,50
